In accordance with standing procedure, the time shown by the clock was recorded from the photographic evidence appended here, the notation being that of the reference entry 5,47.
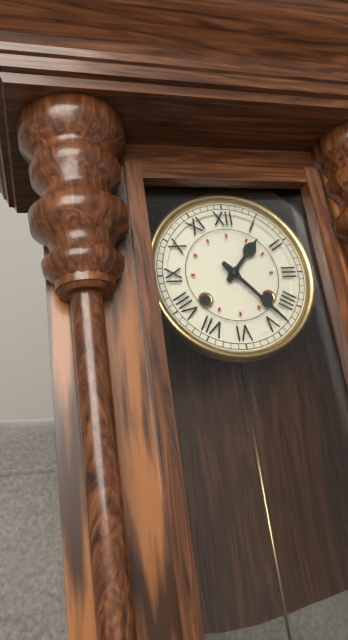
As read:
1,23
